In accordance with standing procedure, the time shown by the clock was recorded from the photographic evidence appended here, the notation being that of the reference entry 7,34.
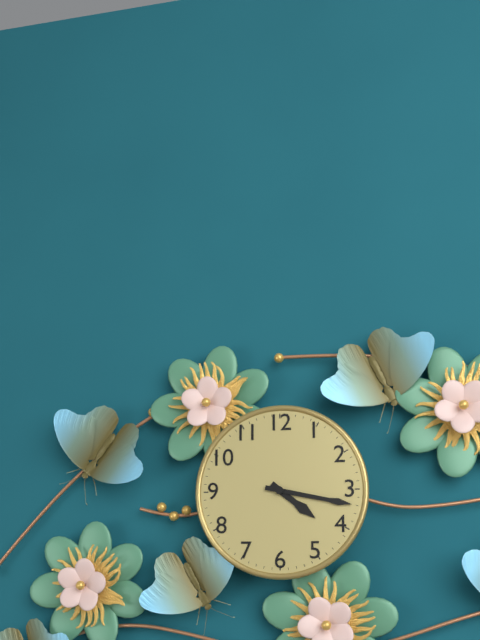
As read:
4,17
